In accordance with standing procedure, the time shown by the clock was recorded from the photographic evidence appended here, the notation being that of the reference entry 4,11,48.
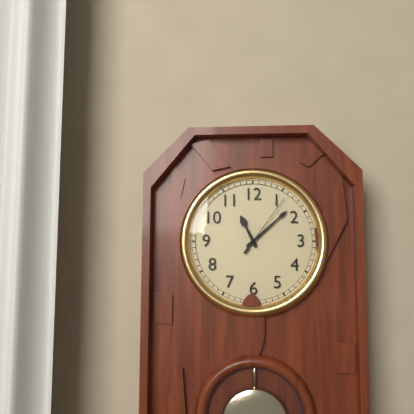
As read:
11,08,06
